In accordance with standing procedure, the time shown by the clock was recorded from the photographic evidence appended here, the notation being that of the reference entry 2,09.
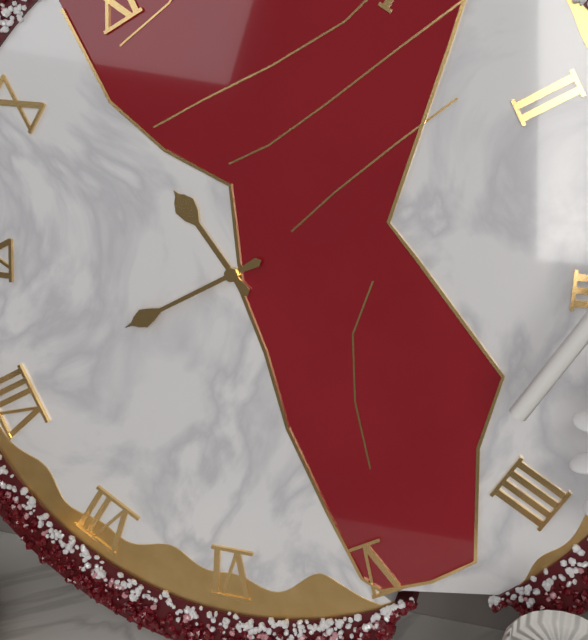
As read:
10,40
